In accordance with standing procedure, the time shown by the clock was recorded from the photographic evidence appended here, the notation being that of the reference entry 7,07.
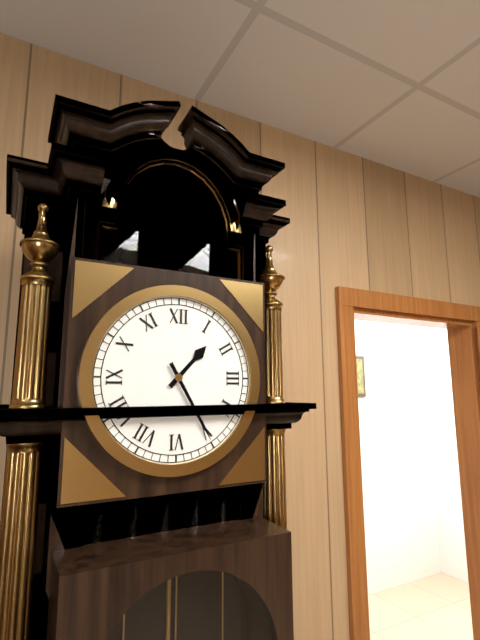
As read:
1,25
